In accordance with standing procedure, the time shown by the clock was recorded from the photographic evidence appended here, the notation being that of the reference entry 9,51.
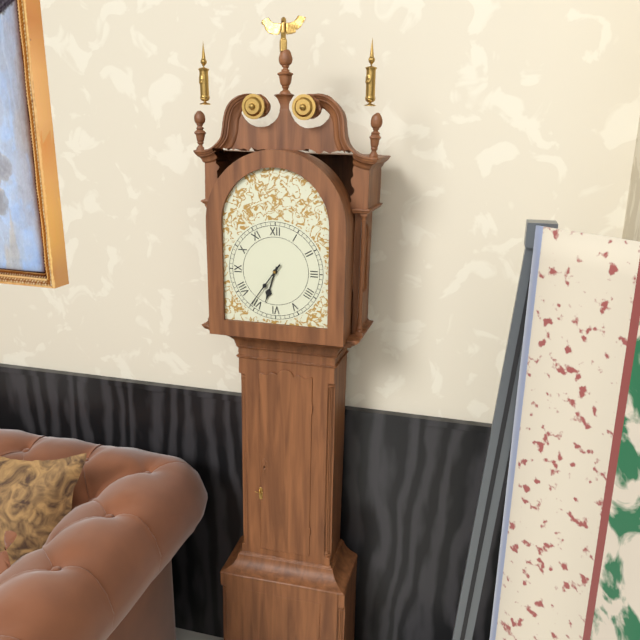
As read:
6,36
